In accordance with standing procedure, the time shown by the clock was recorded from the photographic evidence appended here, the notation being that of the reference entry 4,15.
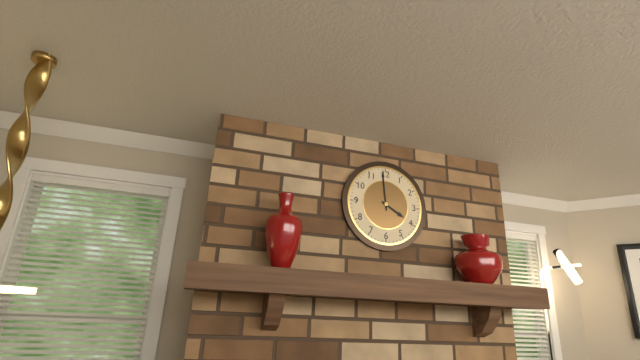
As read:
3,59
